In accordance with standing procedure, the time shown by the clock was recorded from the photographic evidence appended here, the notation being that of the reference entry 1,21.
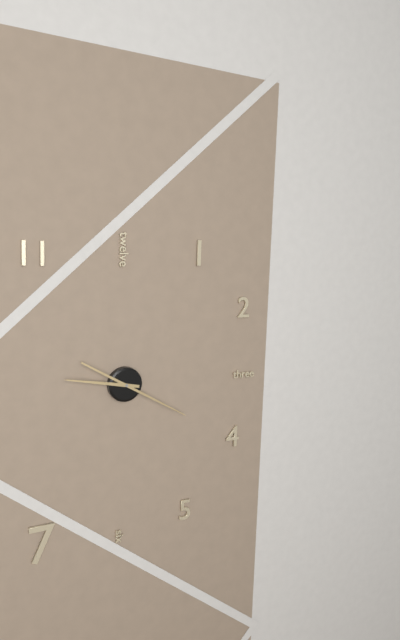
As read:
9,20
